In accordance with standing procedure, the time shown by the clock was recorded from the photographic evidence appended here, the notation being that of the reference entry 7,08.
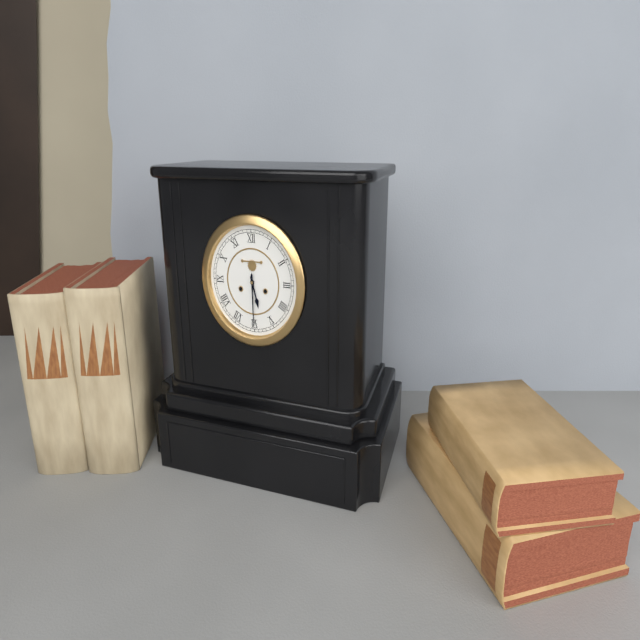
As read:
5,30
